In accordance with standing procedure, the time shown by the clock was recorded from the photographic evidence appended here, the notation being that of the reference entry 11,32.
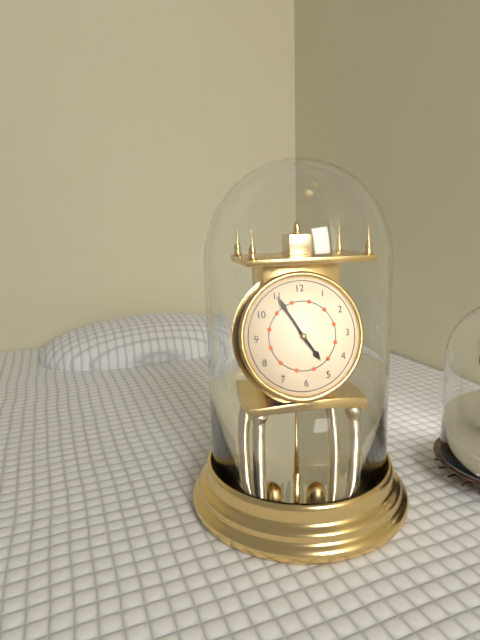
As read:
4,55
